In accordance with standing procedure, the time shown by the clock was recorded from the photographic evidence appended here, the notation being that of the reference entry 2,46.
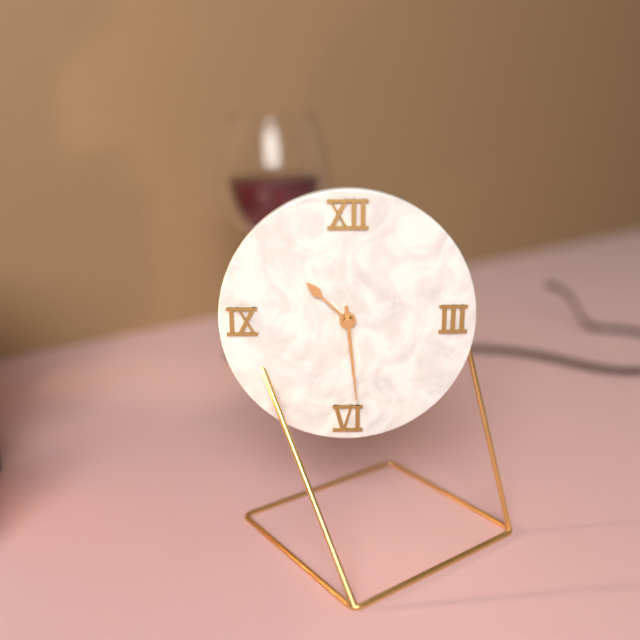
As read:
10,29
